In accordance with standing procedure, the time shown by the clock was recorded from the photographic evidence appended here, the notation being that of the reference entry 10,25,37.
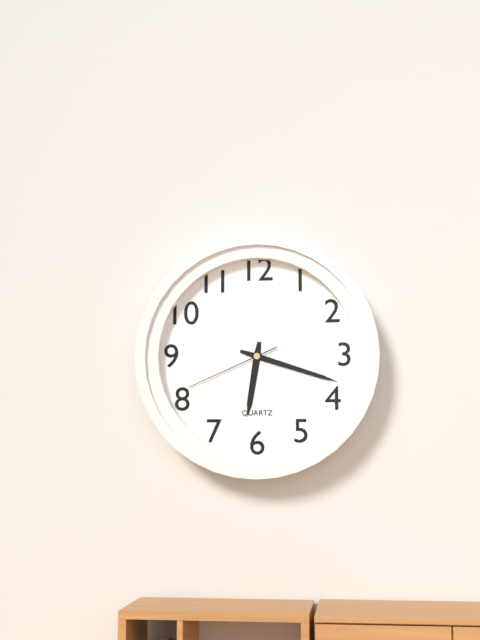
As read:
6,18,41
